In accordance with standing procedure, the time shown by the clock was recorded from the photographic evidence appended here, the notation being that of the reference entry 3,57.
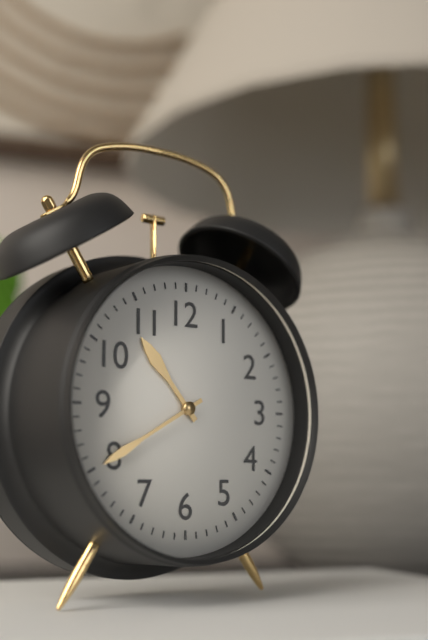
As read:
10,40
